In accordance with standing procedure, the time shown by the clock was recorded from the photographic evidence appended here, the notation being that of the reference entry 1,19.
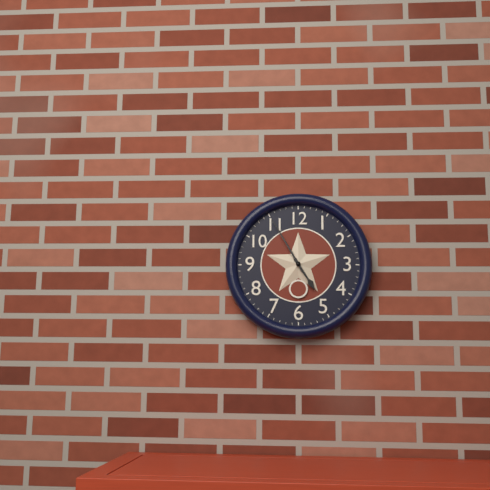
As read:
4,55
